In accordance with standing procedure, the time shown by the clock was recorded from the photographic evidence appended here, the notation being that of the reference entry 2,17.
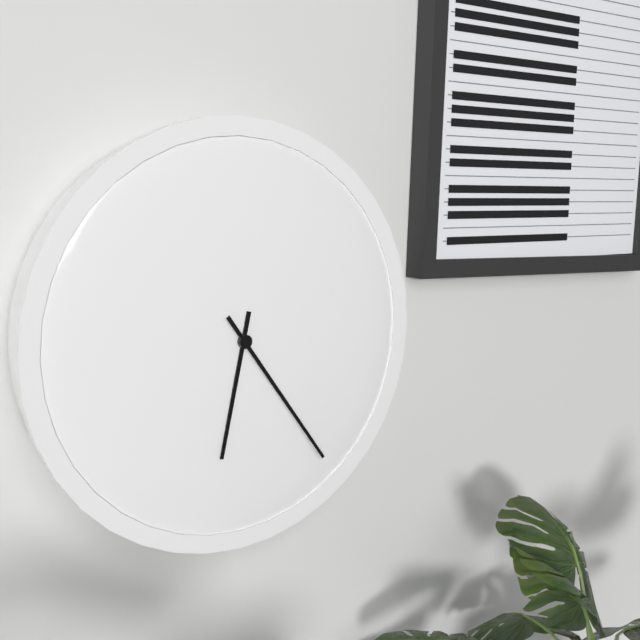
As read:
6,24
